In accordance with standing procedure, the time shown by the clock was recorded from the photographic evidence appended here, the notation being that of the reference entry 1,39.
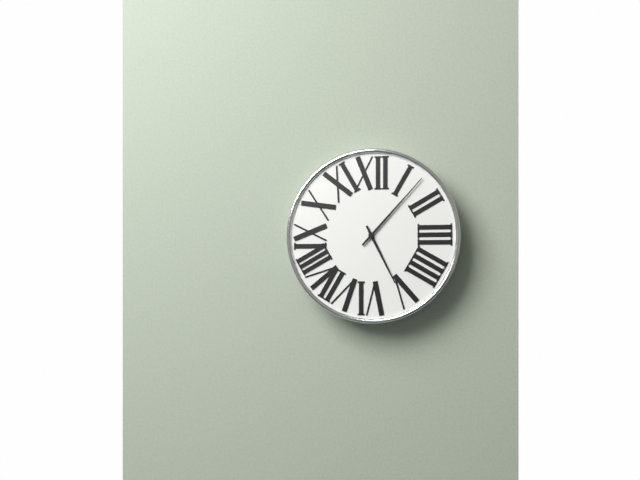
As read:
5,07
